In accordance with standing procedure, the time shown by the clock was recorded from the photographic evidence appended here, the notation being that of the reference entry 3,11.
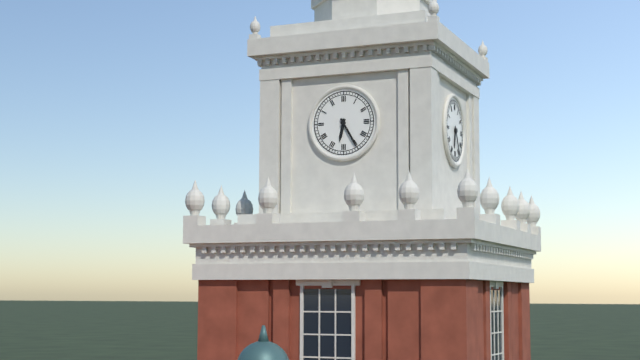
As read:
6,25
